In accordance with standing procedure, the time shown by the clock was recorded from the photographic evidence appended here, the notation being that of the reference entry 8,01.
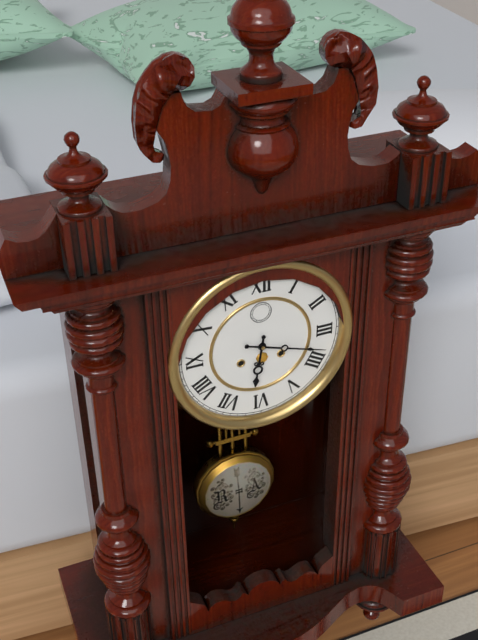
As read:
6,18
